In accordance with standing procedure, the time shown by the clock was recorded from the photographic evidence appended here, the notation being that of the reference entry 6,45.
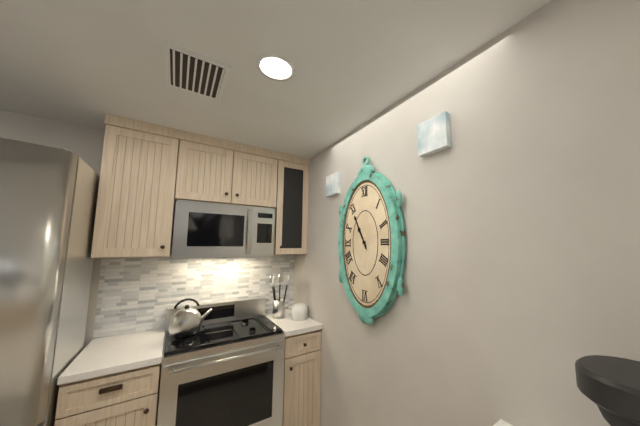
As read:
10,55
